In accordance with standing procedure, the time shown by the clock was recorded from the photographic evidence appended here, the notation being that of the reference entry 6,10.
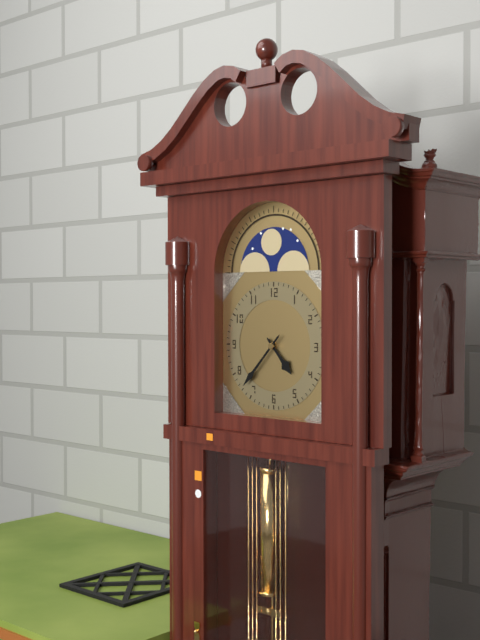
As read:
4,37
